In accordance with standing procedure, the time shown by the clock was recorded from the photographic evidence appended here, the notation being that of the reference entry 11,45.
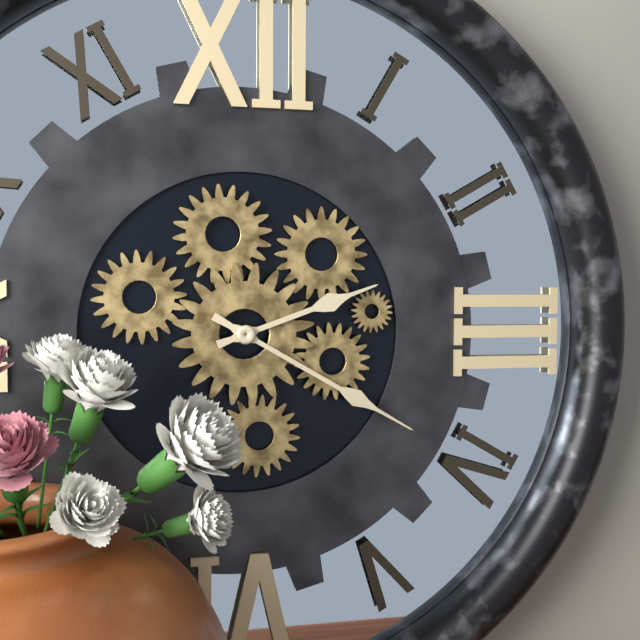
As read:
2,20
